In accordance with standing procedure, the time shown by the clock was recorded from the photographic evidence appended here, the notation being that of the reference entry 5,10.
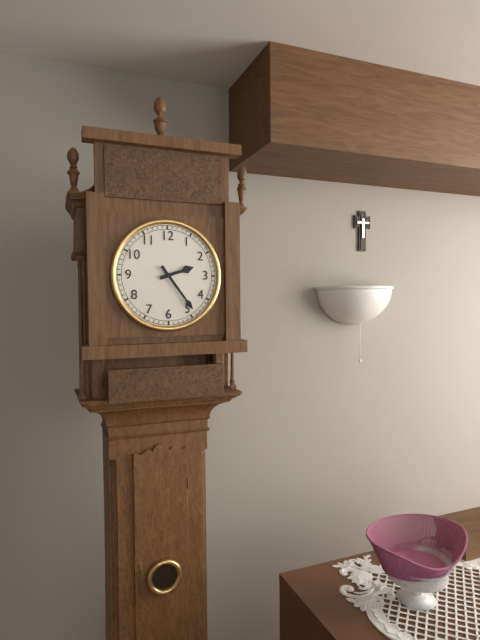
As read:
2,24
